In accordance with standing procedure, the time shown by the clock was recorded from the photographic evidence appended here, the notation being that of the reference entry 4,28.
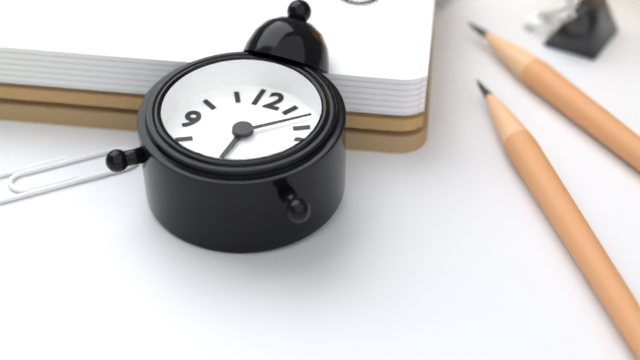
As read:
6,08
